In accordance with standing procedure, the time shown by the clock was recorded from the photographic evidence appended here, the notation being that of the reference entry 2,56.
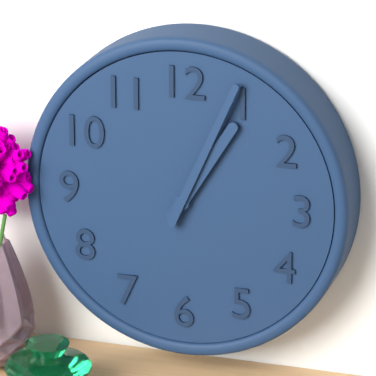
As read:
1,04
